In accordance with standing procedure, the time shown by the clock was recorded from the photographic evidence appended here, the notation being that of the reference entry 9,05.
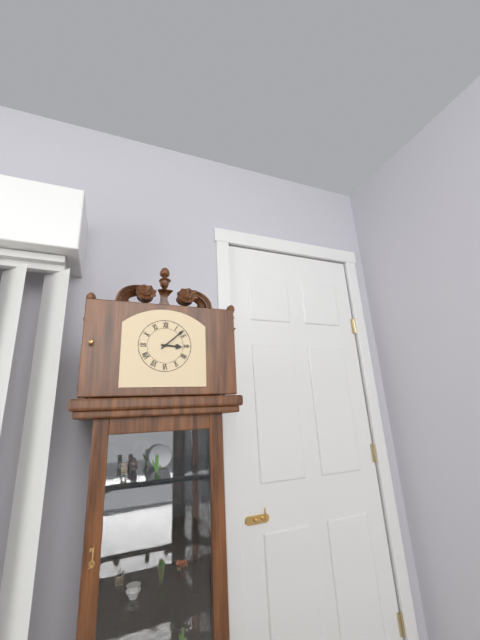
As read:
3,08
